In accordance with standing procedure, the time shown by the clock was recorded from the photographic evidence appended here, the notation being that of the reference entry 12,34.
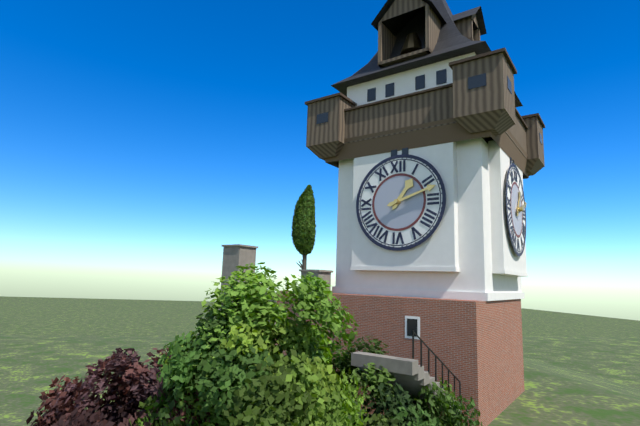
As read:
1,12
